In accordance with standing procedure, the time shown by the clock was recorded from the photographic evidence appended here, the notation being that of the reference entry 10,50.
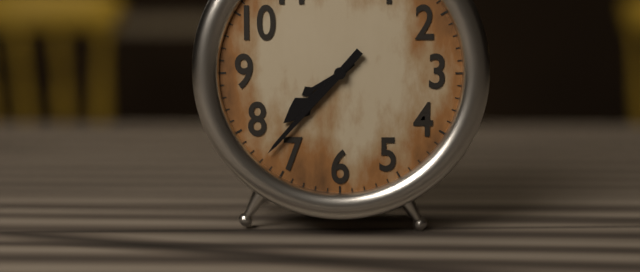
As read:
7,37
